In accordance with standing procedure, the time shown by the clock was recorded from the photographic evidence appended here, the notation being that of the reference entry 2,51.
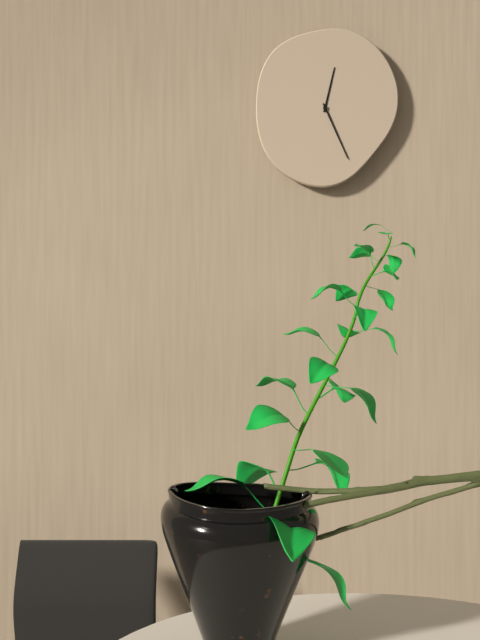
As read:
12,26
